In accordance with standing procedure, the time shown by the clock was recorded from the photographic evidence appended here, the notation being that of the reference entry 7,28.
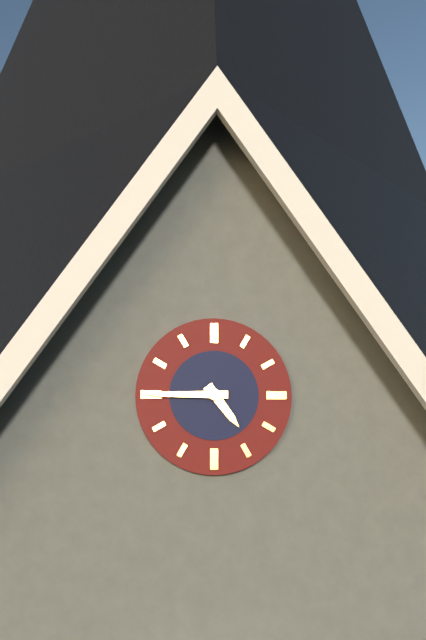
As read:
4,45
